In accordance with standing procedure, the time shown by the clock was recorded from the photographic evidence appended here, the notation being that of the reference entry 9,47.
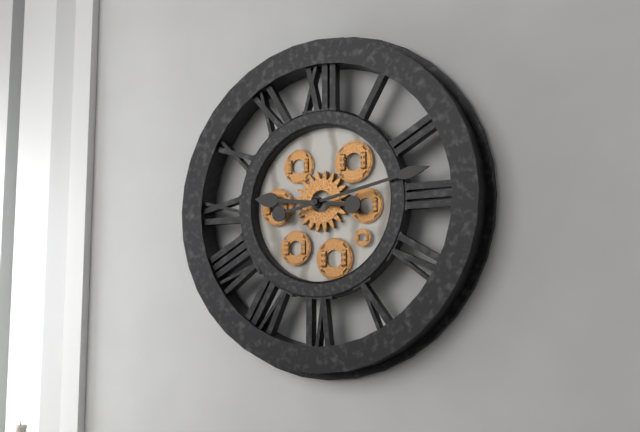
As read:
9,13
